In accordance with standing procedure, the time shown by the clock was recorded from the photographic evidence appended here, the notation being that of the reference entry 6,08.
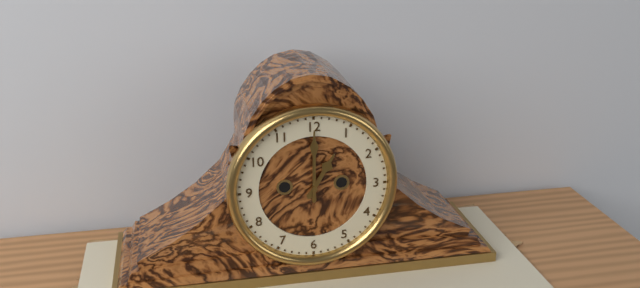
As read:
1,00
